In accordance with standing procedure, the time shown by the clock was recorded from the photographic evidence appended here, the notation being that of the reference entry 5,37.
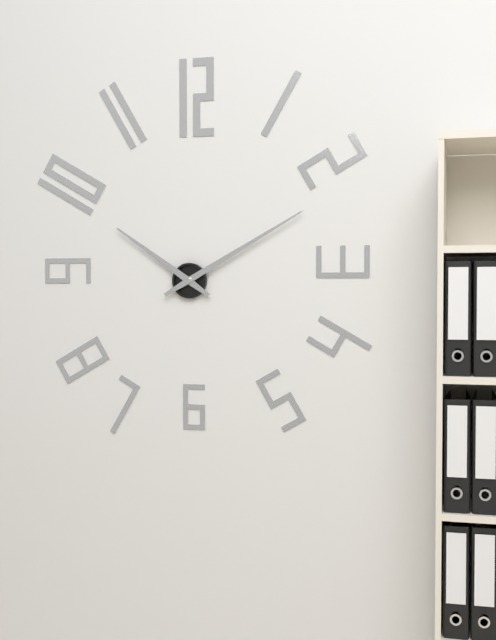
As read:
10,10
